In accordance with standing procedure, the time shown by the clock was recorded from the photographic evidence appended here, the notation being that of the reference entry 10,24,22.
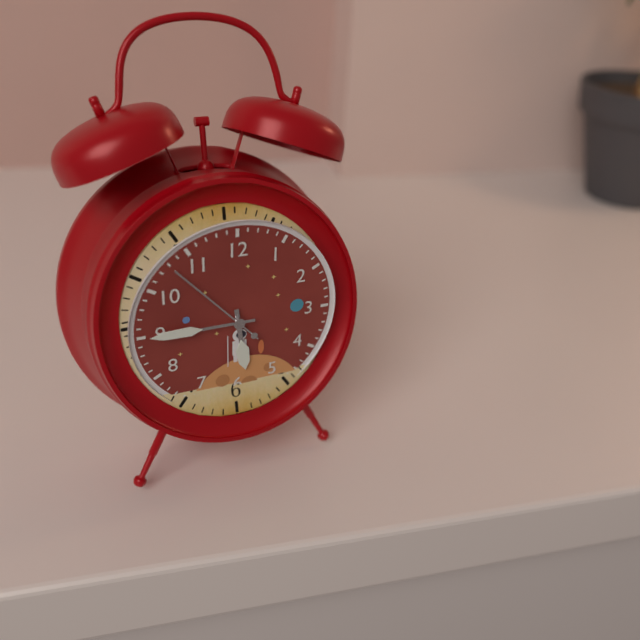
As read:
5,45,53
